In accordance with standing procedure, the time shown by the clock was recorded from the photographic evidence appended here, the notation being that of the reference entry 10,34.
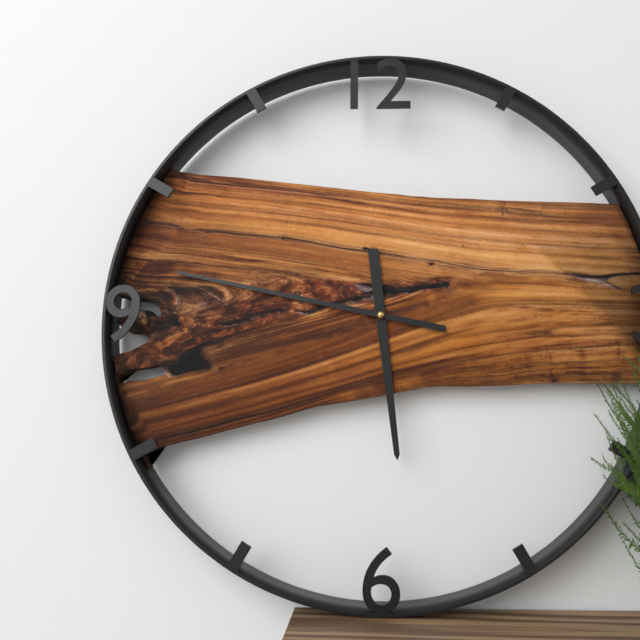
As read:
5,47
